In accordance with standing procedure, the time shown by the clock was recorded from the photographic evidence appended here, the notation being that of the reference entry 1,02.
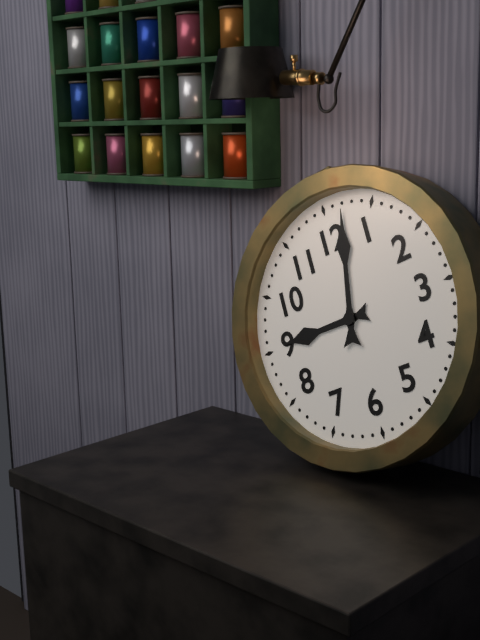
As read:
9,02
